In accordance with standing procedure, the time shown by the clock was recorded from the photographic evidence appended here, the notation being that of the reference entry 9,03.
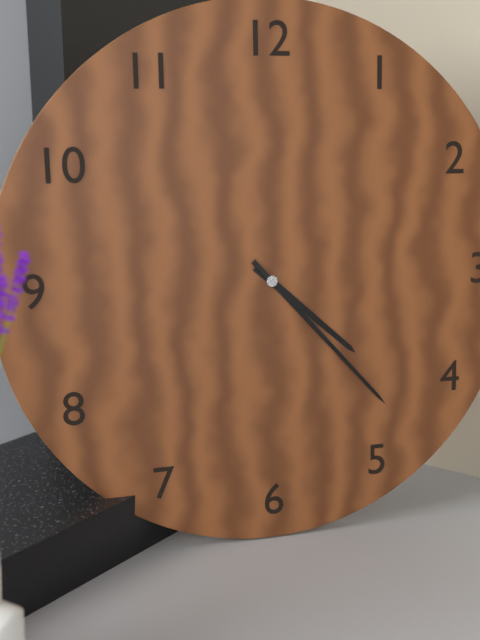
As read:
4,23
